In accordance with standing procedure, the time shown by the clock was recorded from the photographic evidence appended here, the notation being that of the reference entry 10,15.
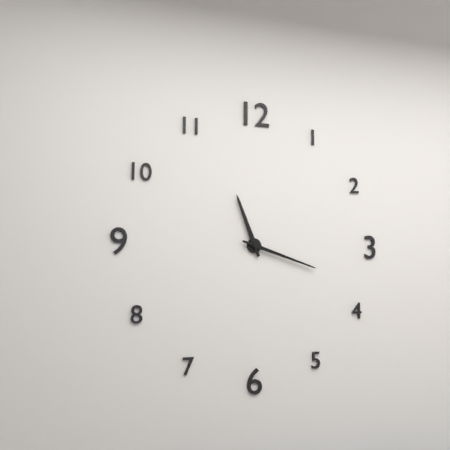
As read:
11,18
